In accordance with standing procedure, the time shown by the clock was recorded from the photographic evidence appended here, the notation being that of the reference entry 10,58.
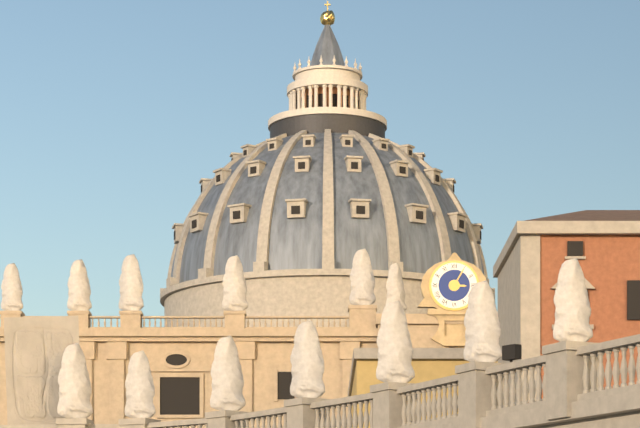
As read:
3,05
